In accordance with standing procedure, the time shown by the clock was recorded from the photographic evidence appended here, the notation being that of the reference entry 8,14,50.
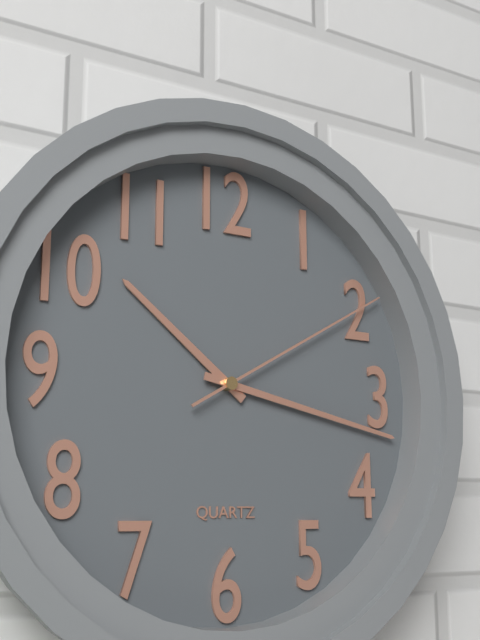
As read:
10,17,10
